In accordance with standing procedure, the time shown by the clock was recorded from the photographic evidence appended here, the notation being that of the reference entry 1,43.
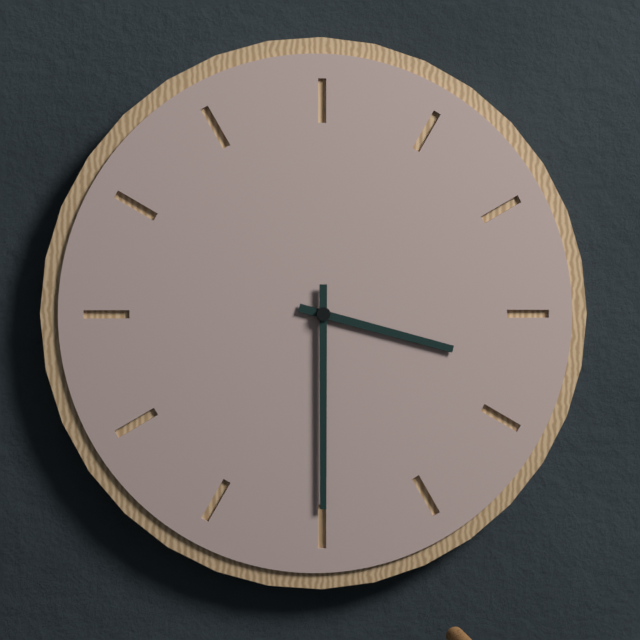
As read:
3,30
